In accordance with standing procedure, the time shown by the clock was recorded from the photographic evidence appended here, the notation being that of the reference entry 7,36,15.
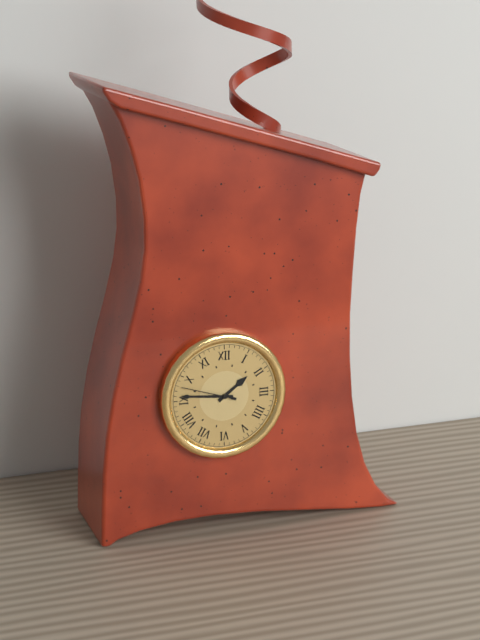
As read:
1,46,48
